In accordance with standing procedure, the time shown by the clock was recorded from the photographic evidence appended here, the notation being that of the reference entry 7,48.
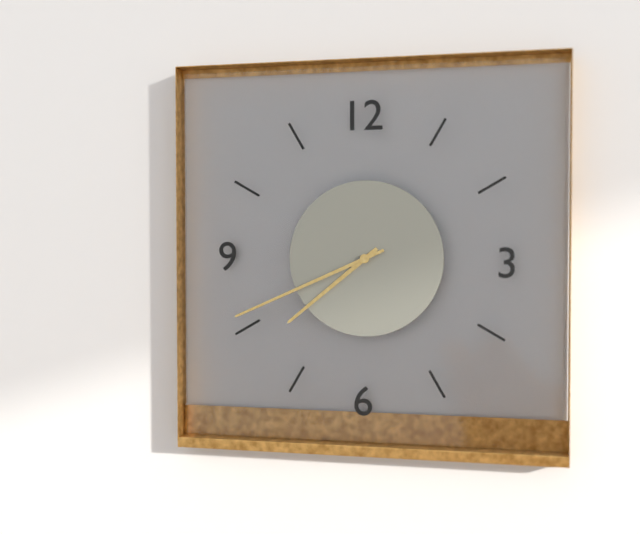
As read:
7,41
